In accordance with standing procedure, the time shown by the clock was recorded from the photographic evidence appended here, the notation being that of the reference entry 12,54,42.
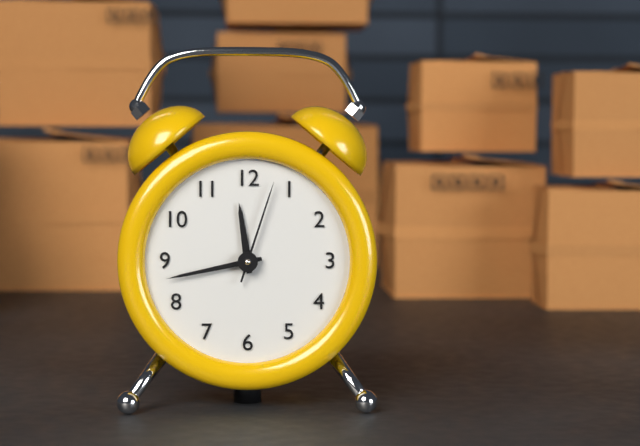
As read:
11,43,03
